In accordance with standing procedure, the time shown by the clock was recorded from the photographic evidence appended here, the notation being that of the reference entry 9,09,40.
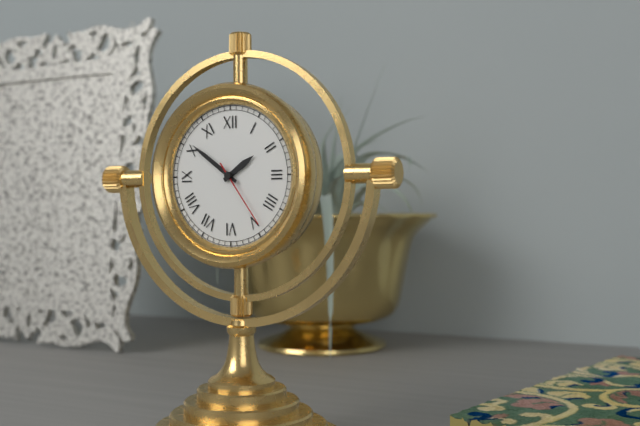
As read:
1,51,24
